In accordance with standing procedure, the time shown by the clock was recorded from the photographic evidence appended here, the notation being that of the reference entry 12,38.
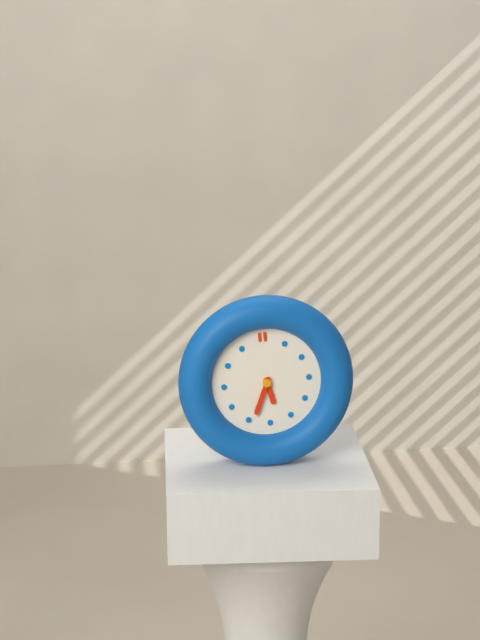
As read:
5,34
